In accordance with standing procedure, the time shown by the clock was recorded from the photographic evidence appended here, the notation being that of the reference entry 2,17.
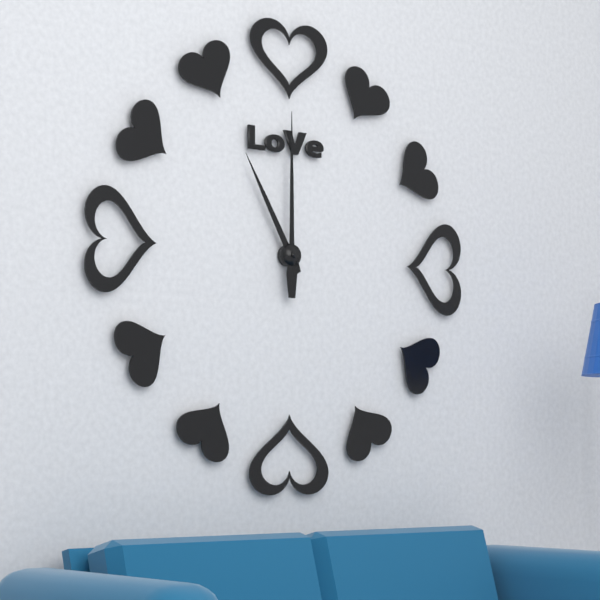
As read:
11,00
